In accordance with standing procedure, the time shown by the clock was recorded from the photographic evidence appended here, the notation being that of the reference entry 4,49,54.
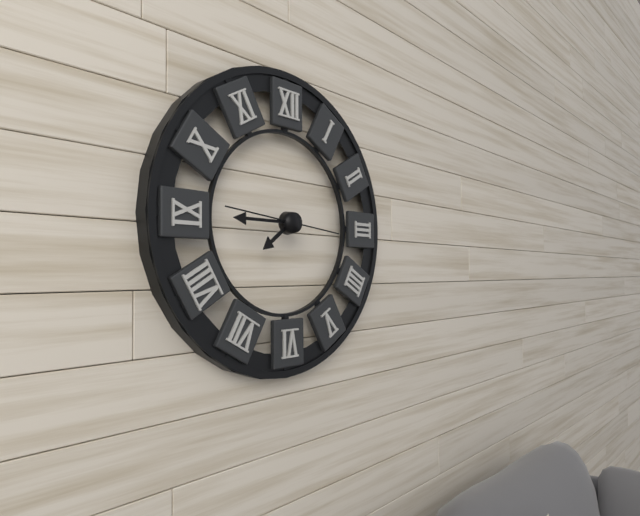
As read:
7,45,46
